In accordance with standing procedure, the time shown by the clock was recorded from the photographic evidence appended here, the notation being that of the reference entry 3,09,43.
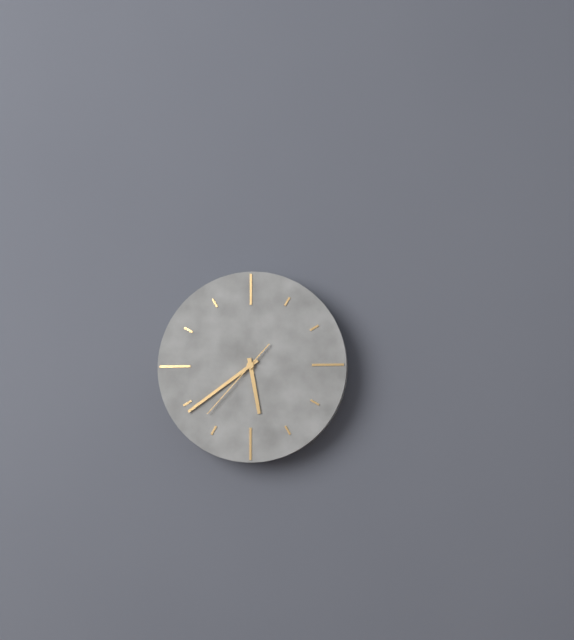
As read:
5,39,37
